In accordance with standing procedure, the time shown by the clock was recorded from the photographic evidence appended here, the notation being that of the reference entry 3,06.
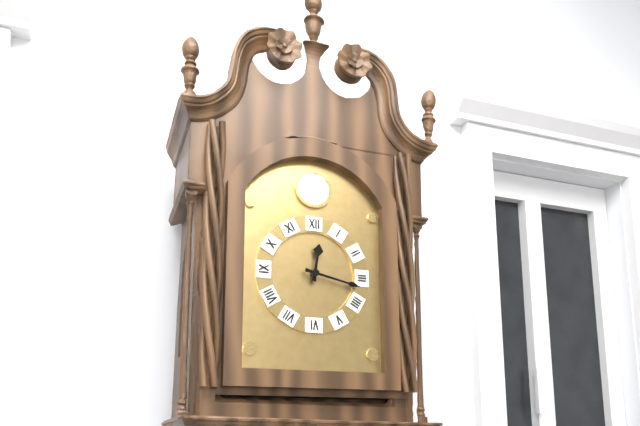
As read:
12,17
